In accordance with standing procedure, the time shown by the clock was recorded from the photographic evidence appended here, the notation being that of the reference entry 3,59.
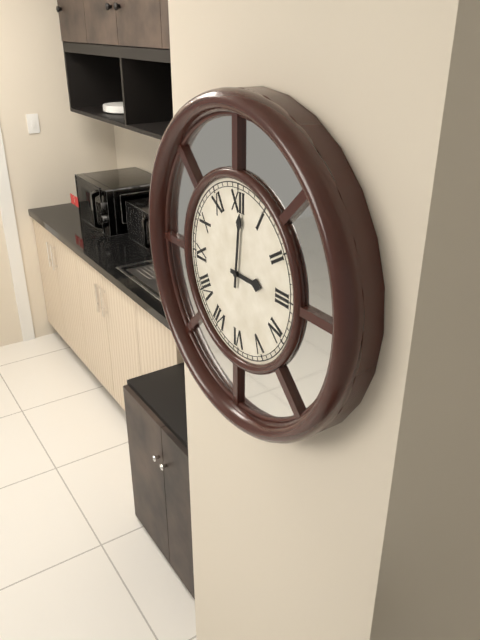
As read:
3,01
